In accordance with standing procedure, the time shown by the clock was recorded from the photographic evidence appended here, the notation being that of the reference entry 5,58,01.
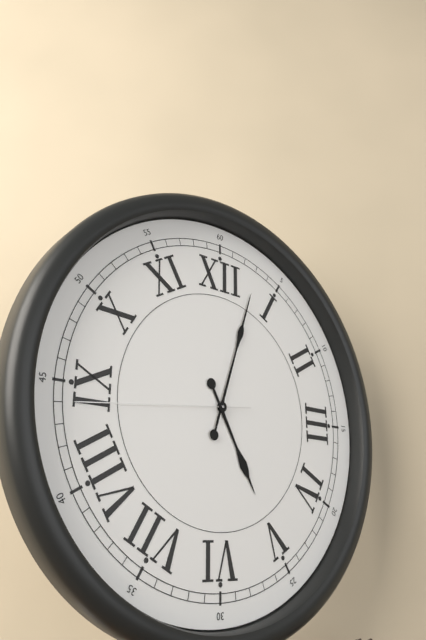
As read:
5,03,44
